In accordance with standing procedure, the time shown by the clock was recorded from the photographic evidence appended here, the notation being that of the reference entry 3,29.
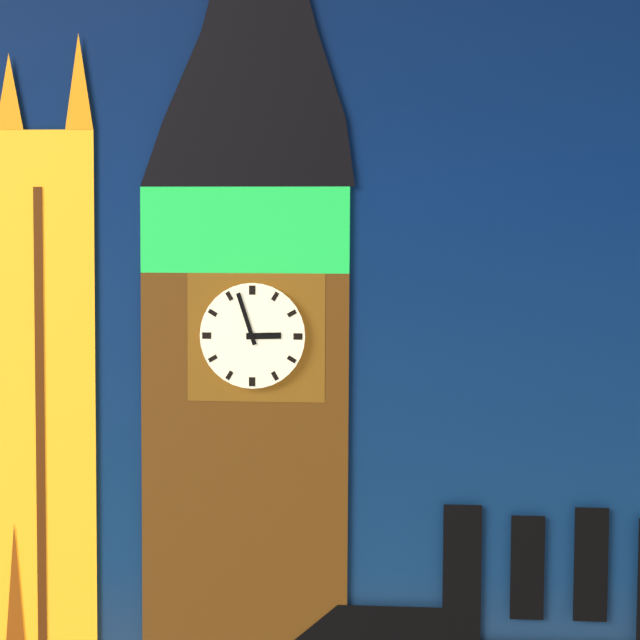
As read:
2,57
